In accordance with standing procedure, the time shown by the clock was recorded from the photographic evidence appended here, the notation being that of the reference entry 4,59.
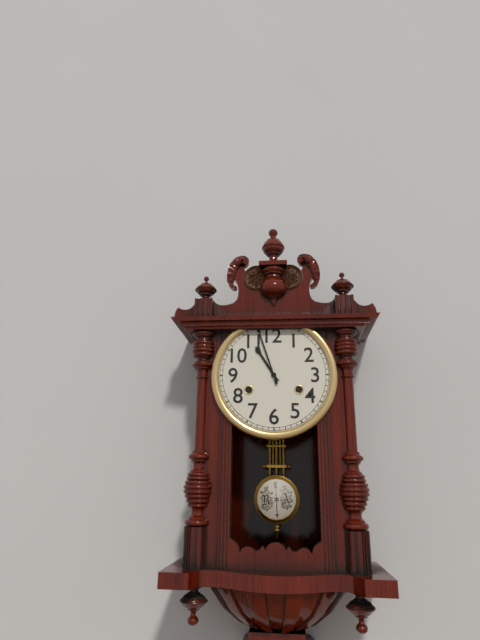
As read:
10,57
